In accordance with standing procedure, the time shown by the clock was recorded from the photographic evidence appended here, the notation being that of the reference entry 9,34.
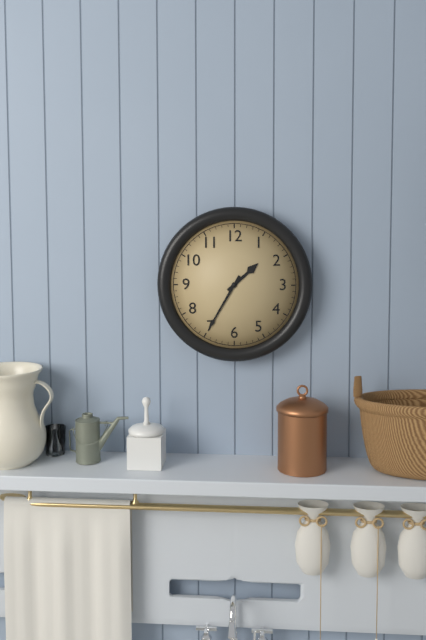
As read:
1,35
